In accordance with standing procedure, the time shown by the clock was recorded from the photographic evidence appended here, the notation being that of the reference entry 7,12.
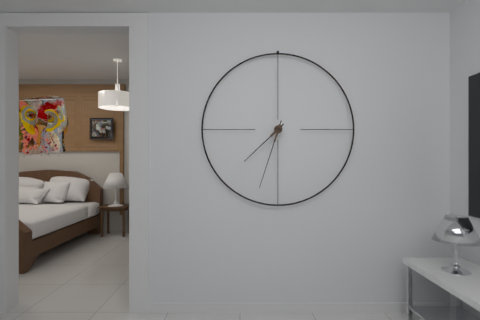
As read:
7,33
